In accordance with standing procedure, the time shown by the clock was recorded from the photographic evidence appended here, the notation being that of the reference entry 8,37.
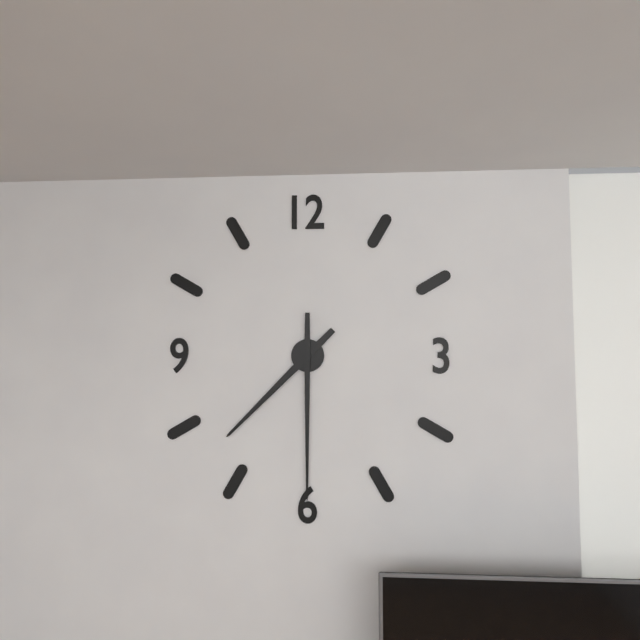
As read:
7,30
